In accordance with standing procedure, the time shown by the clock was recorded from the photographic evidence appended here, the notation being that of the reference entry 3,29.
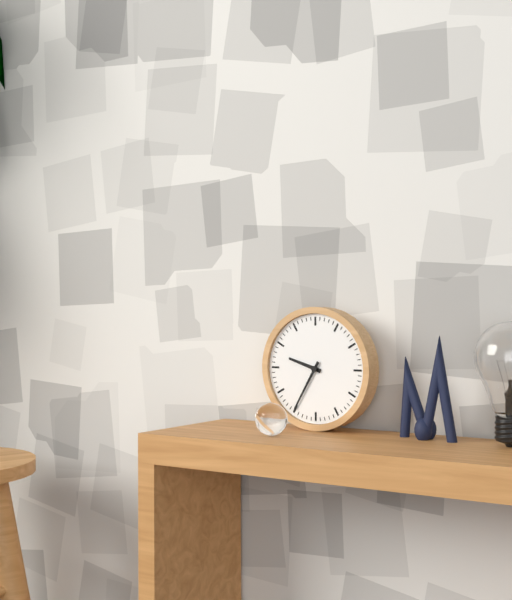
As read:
9,35
